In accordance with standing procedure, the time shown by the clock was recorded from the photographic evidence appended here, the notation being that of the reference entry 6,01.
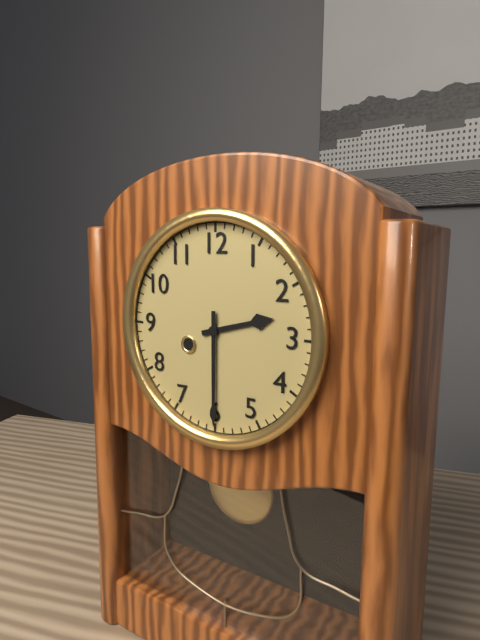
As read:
2,30
